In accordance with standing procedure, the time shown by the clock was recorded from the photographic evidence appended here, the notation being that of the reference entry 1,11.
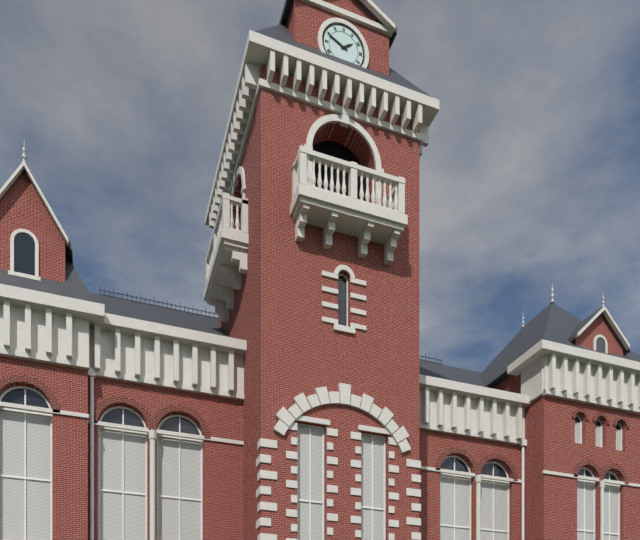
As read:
1,49
